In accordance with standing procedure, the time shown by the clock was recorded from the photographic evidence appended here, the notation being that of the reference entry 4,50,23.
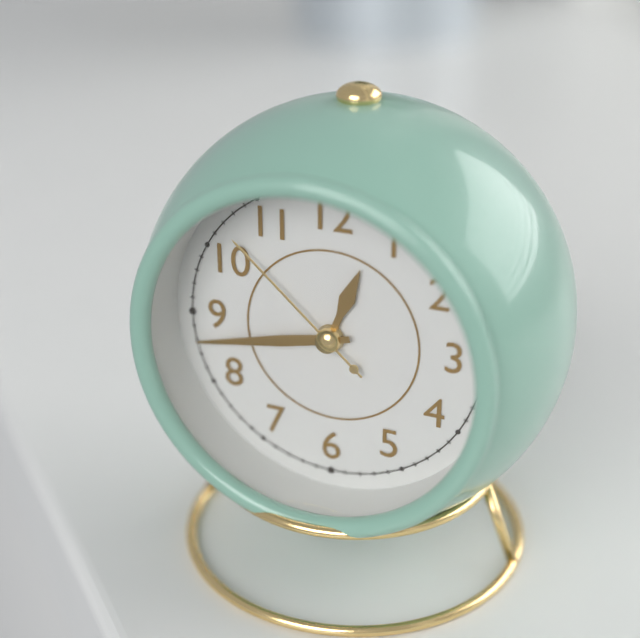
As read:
12,43,52
